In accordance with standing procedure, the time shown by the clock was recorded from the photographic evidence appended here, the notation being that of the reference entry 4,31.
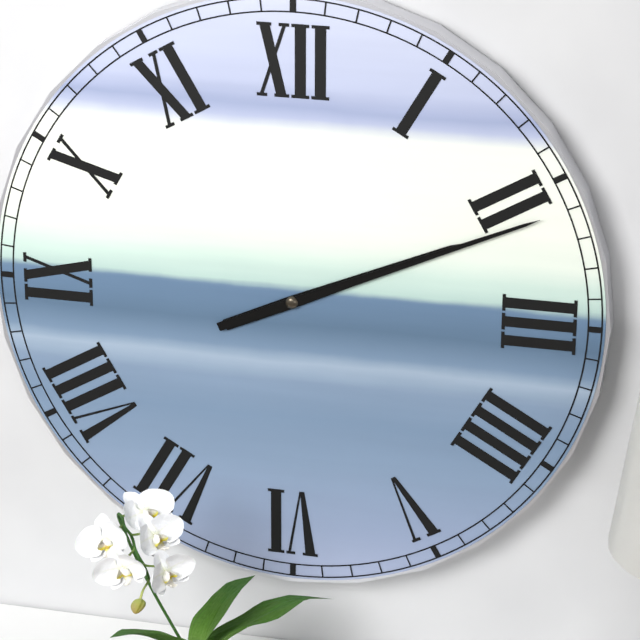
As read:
2,11
